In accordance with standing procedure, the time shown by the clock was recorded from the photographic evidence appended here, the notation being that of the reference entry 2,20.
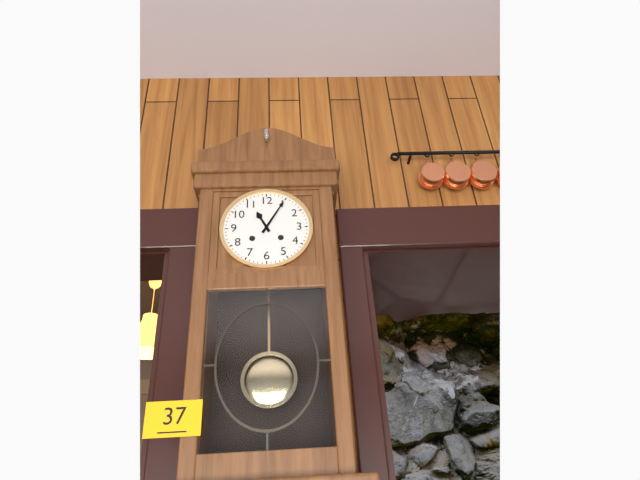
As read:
11,05
